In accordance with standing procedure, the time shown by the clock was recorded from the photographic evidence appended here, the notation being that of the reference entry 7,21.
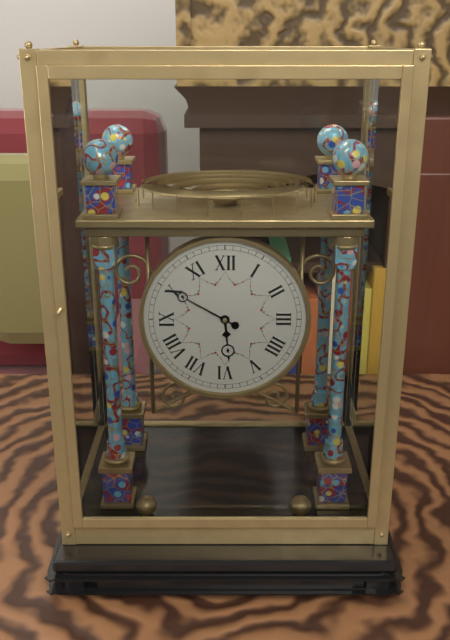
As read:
5,50
